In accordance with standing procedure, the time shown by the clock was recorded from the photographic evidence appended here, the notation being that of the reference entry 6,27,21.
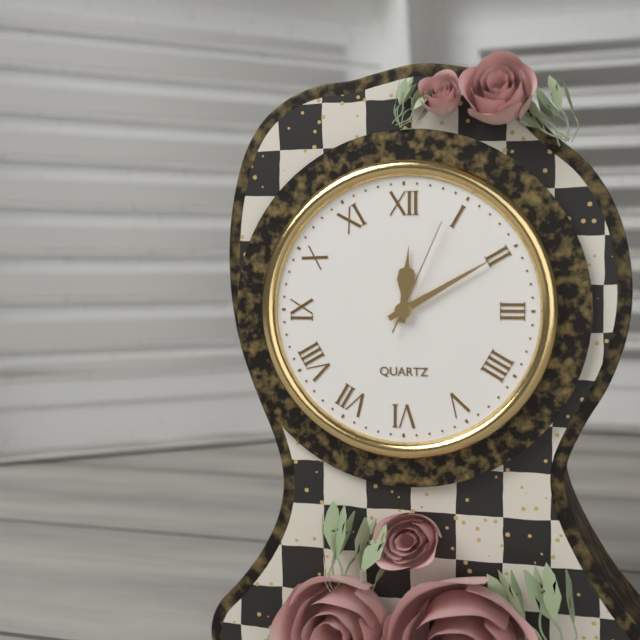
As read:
12,10,04
